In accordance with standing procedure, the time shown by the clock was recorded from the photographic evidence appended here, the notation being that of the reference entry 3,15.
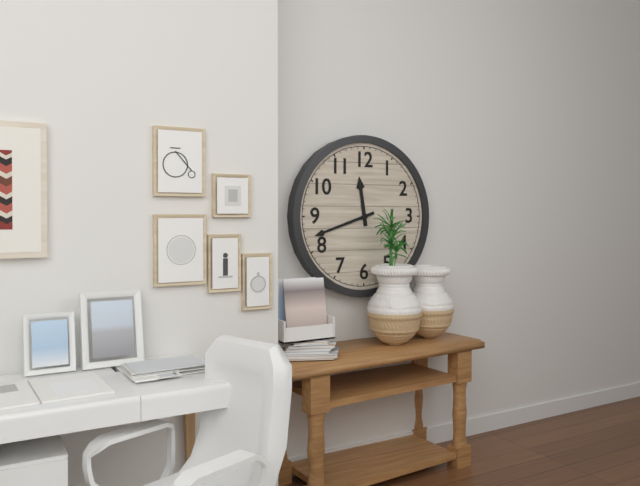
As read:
11,42
